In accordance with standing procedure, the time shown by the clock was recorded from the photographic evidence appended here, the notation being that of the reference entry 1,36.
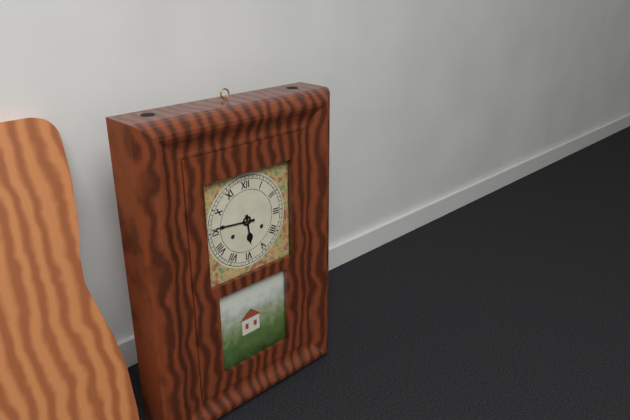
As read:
5,46
